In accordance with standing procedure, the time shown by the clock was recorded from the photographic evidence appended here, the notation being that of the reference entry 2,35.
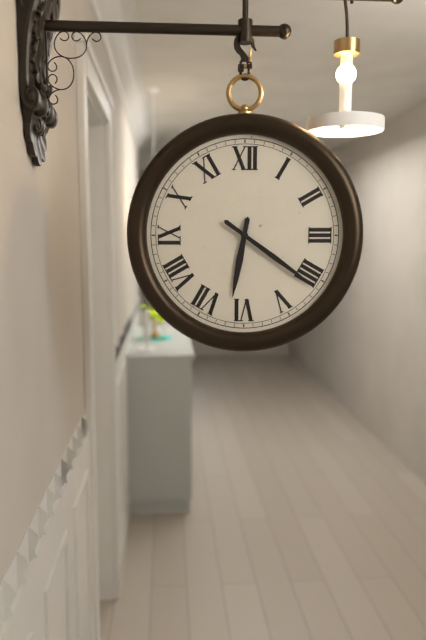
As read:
6,21
